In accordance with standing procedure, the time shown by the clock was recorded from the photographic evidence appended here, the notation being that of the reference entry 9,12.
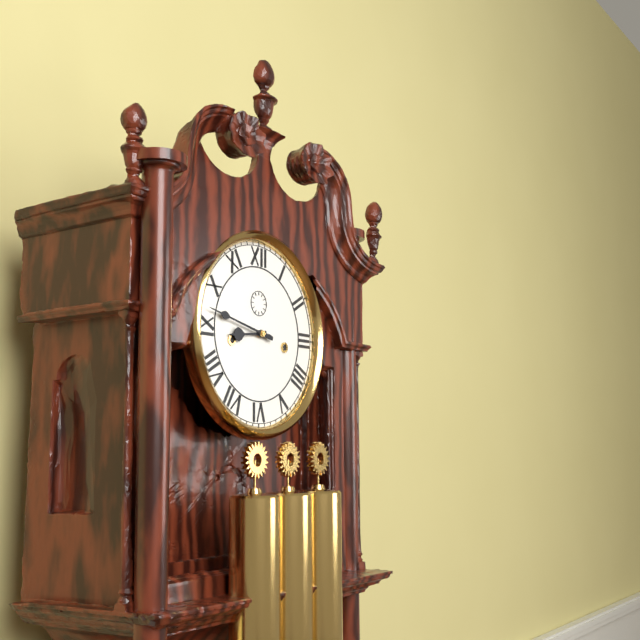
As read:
8,47
